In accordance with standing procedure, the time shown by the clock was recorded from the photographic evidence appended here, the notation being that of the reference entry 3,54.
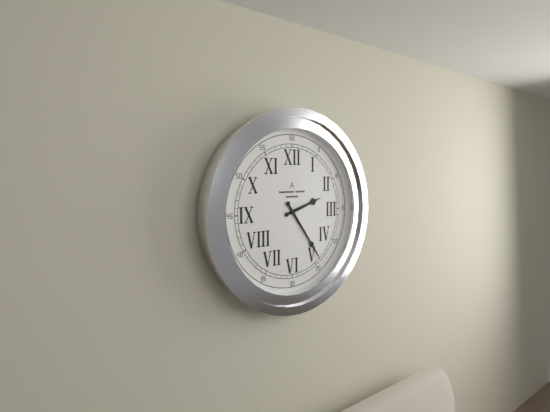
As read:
2,24
